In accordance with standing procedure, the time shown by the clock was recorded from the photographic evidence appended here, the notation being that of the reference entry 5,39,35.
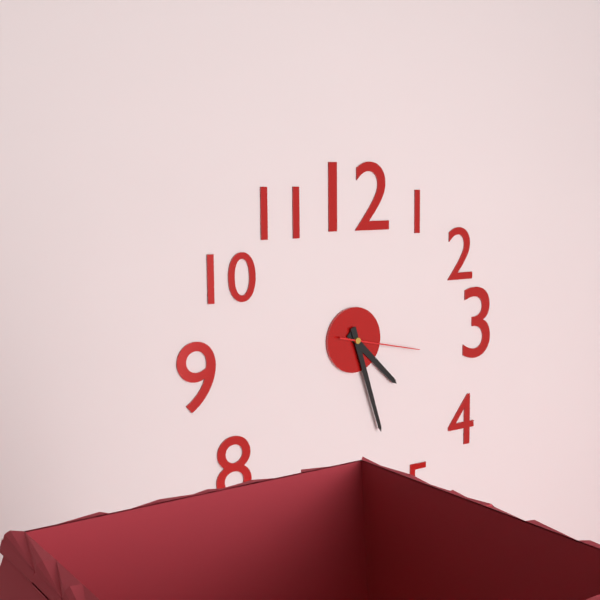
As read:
4,27,17
